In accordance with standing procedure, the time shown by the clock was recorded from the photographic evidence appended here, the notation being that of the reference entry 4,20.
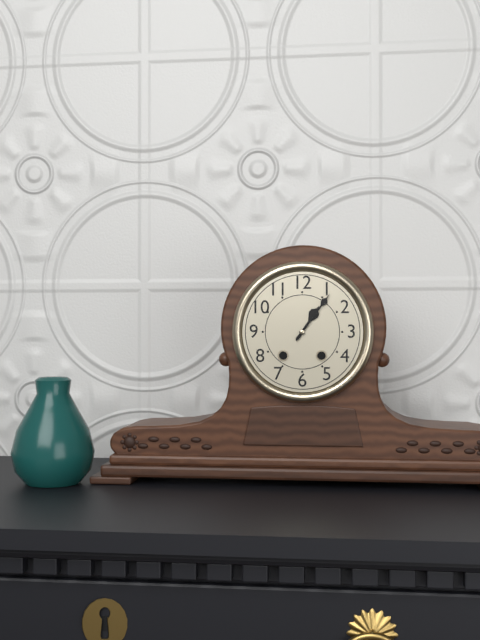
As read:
1,06
